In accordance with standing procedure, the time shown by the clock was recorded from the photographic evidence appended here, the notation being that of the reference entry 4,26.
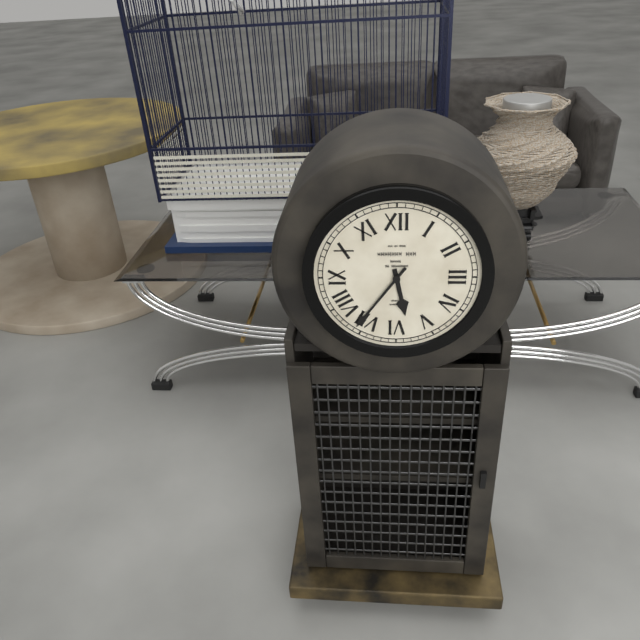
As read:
5,36
